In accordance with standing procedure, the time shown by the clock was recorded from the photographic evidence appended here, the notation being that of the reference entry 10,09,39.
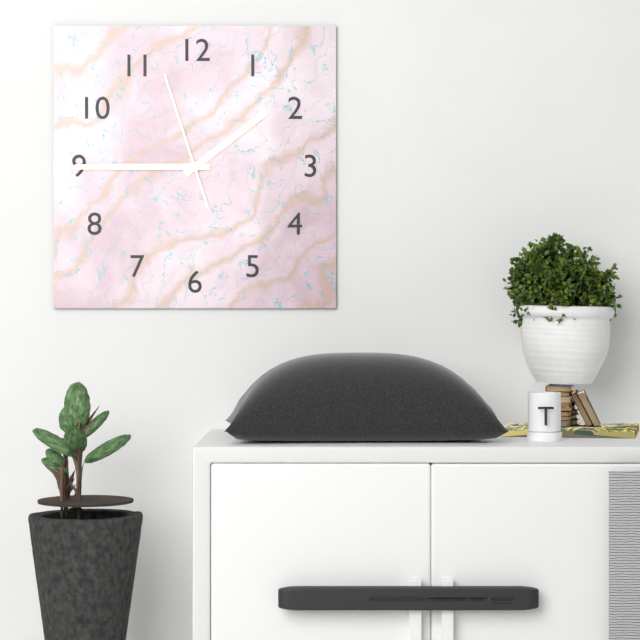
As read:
1,45,57
